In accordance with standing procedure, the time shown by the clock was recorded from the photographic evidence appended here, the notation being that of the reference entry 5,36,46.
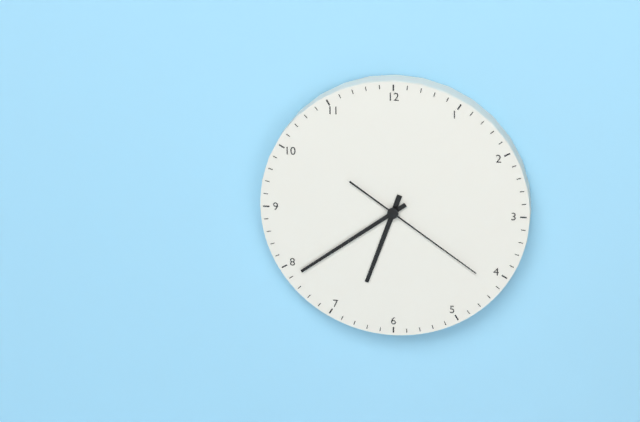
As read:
6,39,21
